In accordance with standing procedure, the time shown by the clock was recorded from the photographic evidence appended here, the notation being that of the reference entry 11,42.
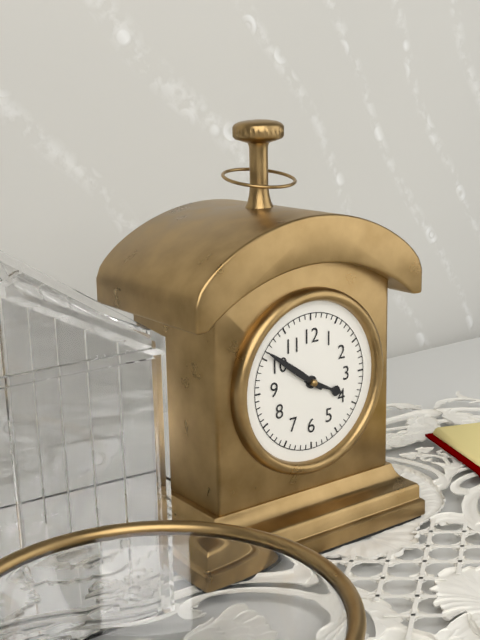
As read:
3,51
